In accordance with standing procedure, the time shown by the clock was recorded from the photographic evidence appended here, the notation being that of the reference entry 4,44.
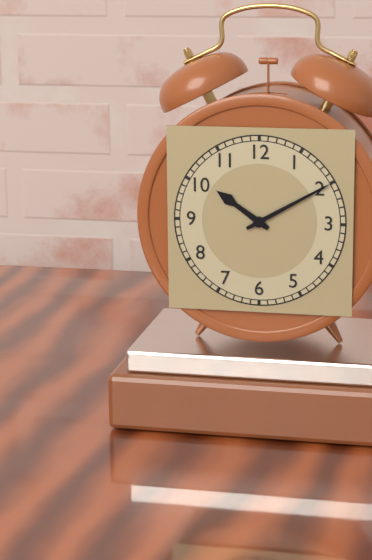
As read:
10,10
